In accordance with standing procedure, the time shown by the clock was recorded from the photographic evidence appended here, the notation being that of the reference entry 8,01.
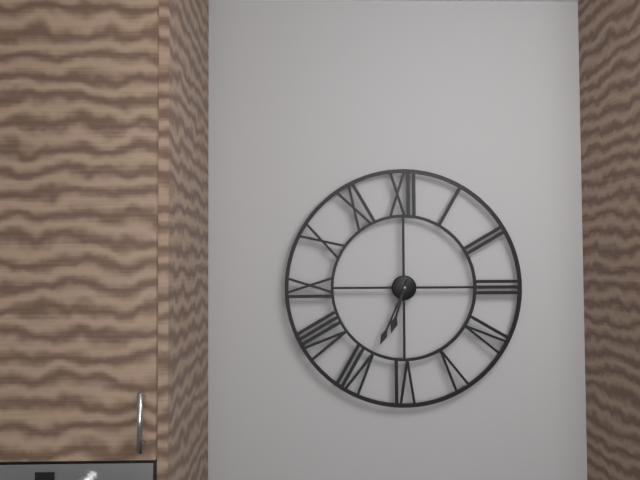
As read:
6,34
